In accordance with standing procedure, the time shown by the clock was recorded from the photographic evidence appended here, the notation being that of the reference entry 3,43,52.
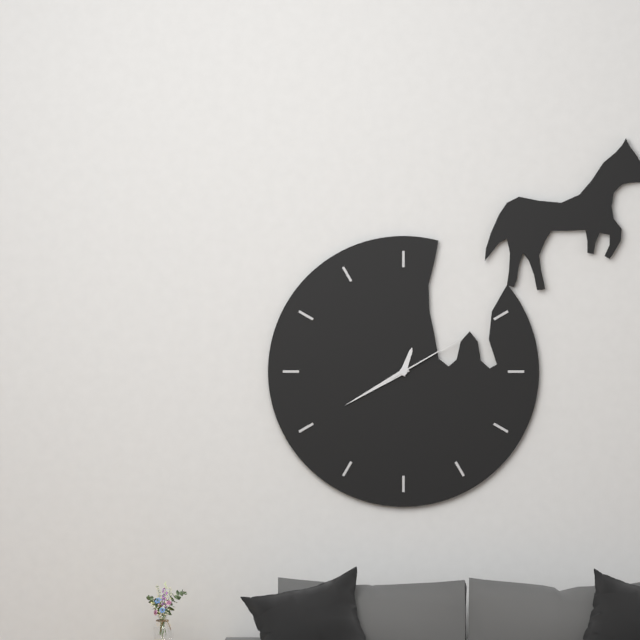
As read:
12,40,10
